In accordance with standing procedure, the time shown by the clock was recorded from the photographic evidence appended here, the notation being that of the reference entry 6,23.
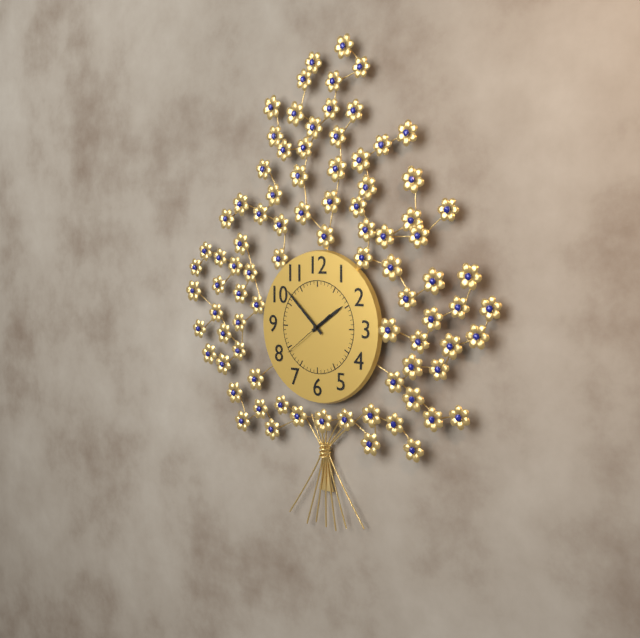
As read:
1,52
